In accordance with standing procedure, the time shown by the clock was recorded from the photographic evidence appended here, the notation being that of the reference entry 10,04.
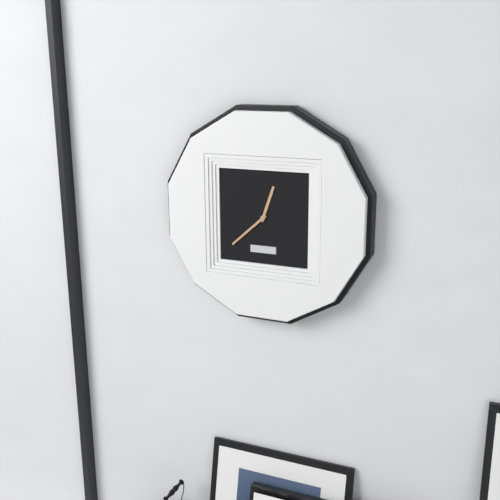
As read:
12,38
